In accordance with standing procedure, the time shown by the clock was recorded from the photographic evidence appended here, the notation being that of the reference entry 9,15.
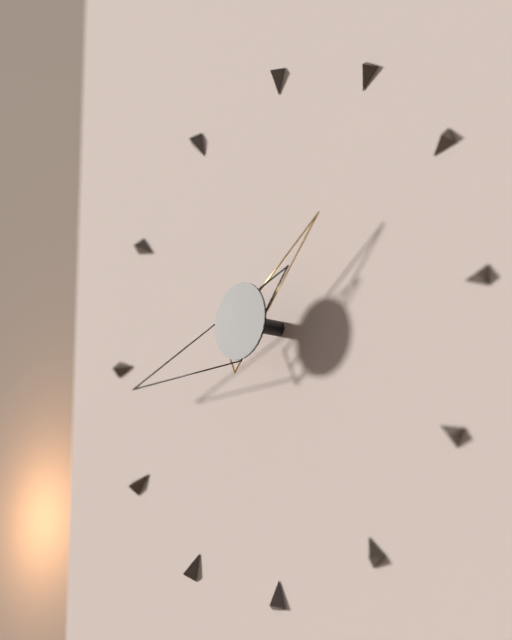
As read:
1,43
